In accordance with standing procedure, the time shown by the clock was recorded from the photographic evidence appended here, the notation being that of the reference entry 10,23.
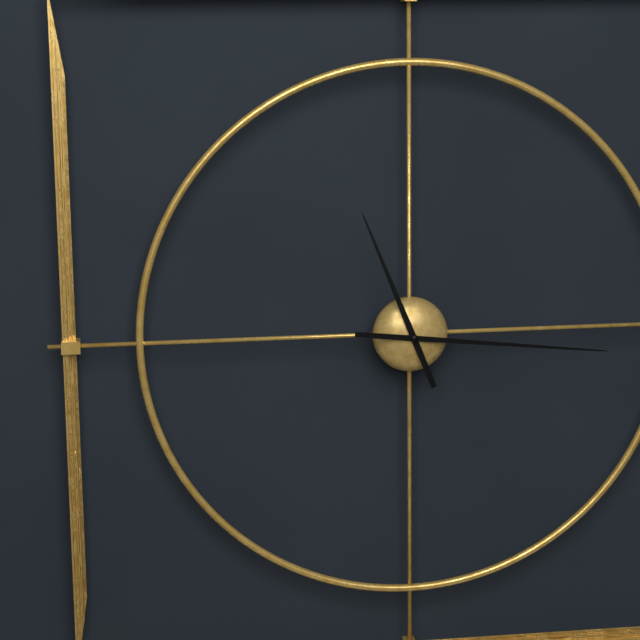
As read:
11,16
